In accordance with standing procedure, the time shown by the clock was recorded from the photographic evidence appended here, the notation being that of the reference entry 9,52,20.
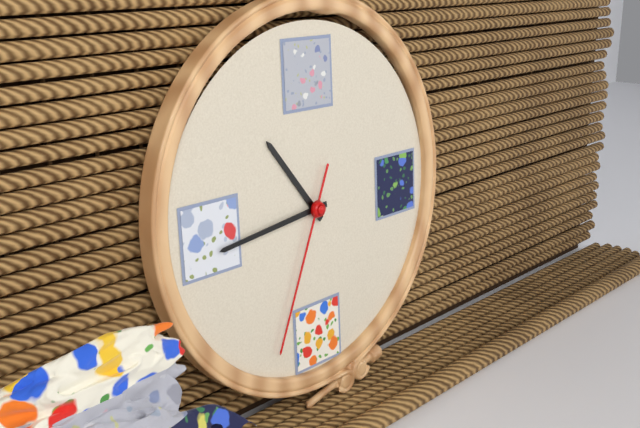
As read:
10,44,34
